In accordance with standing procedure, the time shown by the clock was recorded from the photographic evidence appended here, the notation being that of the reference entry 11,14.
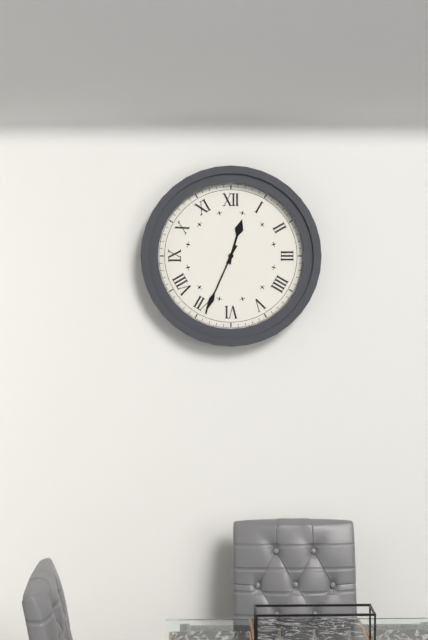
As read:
12,34
